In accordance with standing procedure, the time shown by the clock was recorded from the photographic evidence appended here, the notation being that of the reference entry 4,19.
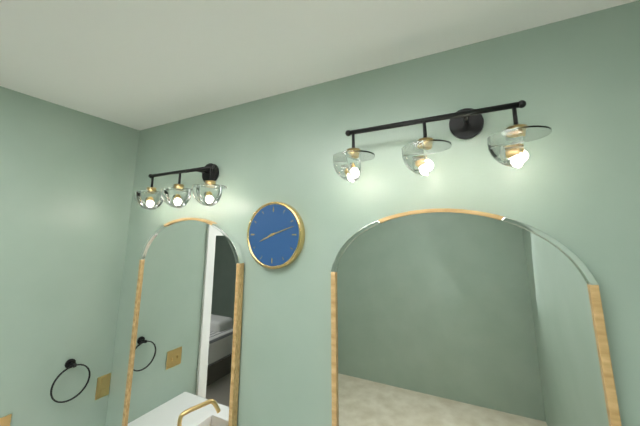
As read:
8,12
